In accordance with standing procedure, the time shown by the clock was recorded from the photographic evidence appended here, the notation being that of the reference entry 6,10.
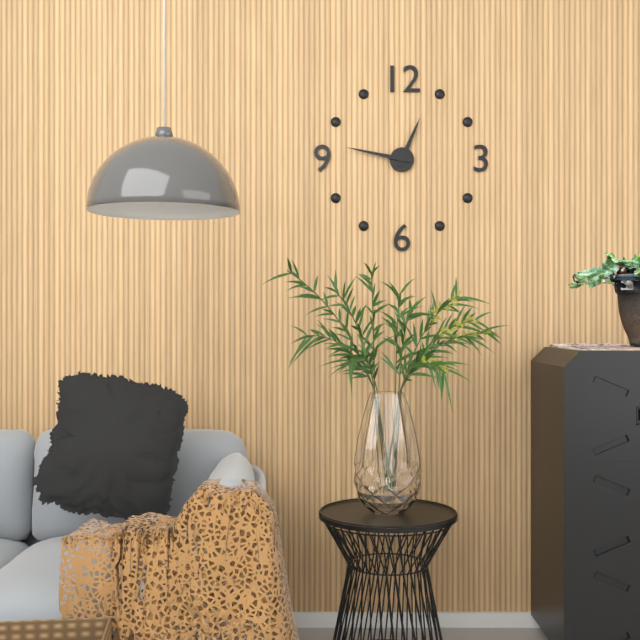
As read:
12,47
